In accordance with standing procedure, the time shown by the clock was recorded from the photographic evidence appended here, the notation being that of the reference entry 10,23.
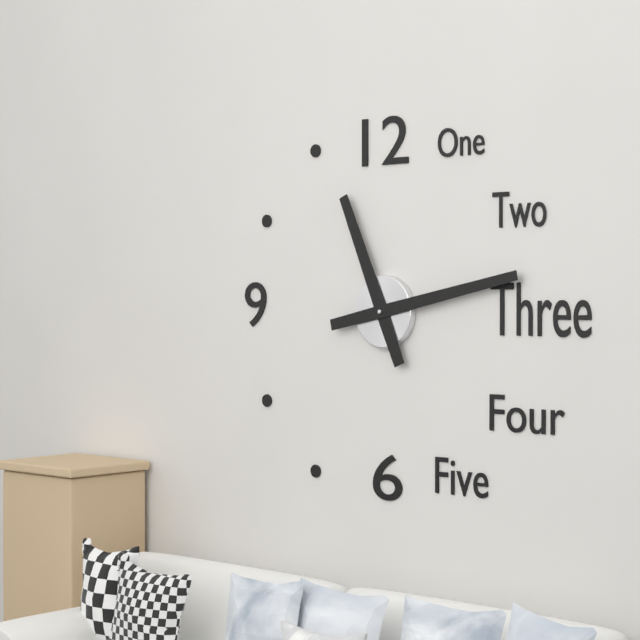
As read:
11,13
